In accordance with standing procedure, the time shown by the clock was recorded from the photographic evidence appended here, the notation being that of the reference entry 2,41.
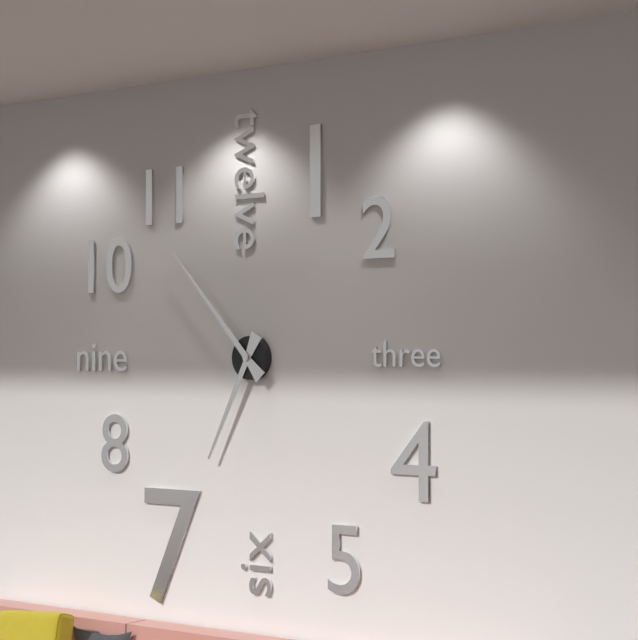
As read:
6,53
